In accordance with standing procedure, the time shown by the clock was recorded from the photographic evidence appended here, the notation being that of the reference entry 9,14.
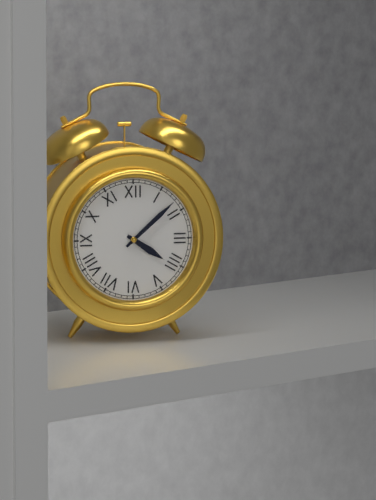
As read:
4,08
